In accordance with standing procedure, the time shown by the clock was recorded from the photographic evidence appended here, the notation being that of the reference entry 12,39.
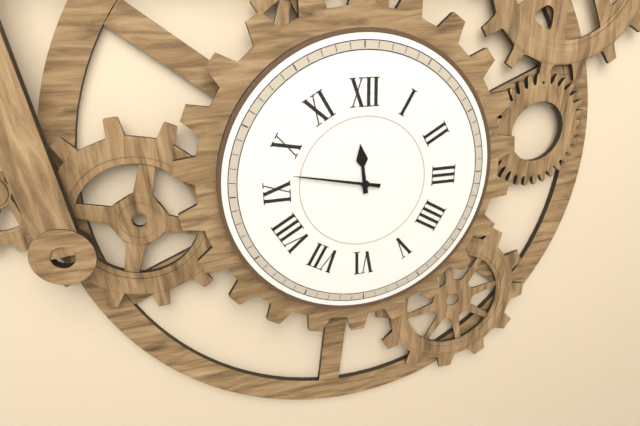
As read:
11,47
